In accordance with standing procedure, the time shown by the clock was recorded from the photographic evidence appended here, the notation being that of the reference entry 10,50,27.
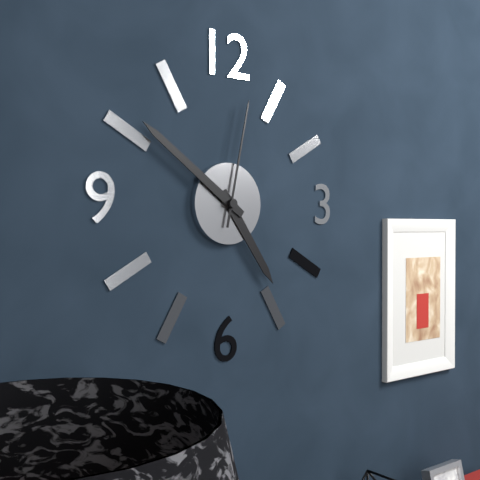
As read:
4,51,02
